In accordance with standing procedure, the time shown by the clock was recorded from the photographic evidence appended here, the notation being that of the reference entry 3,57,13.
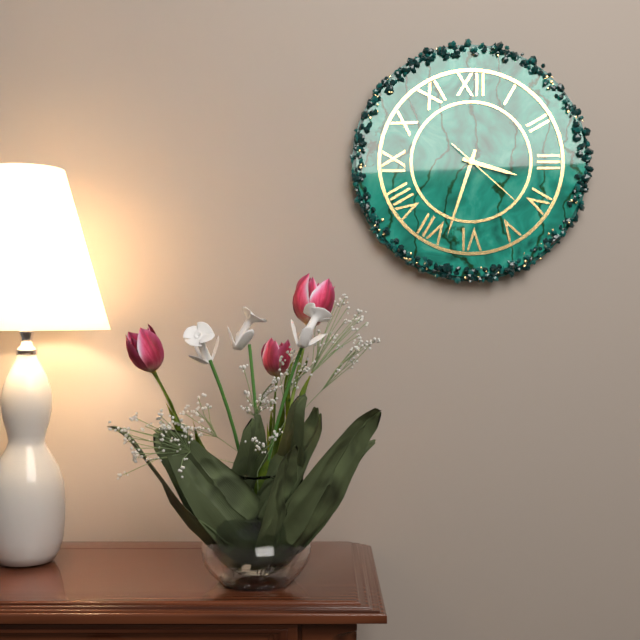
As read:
3,33,22
